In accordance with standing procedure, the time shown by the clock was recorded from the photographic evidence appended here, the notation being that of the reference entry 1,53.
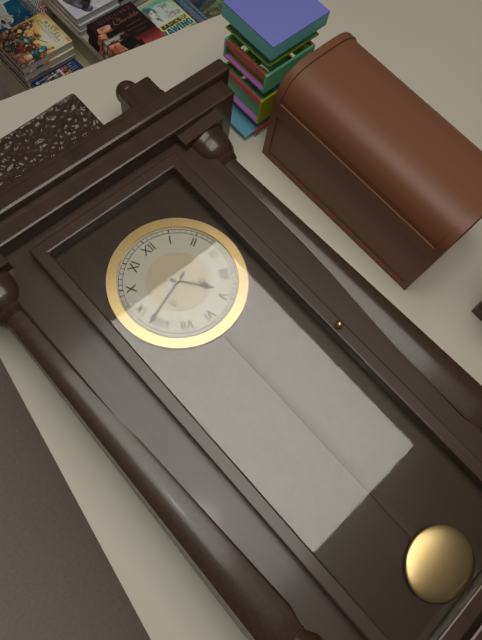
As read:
4,42
